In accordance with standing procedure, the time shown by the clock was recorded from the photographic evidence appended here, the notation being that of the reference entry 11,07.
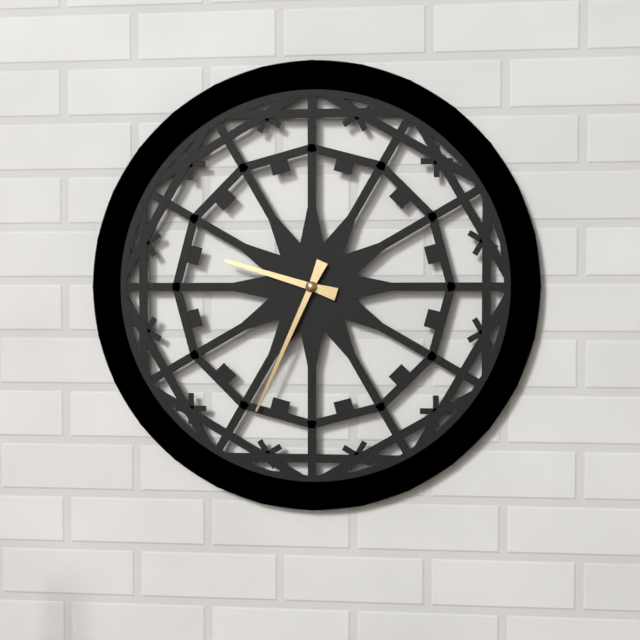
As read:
9,34
